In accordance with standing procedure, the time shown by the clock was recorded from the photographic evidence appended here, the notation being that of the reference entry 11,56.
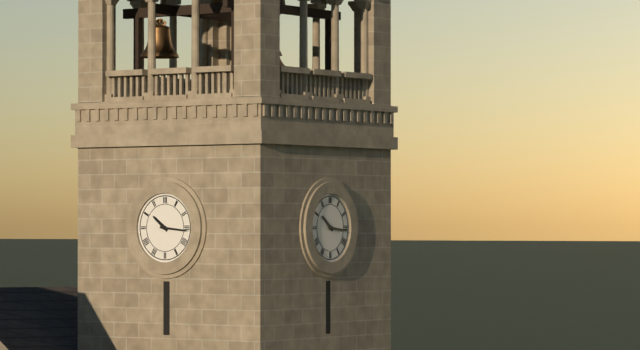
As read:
10,16
